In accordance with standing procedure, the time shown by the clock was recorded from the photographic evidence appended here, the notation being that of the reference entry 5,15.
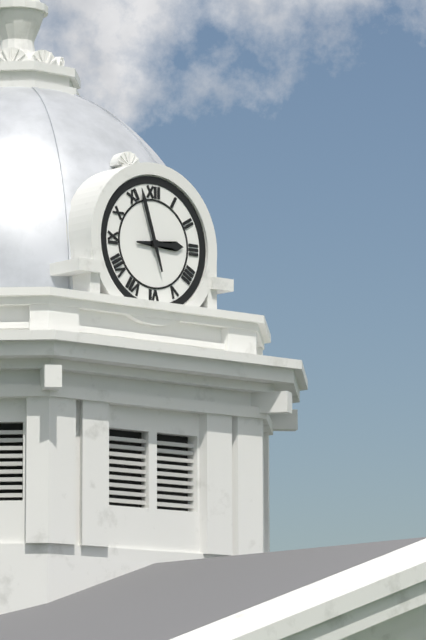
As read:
2,57
